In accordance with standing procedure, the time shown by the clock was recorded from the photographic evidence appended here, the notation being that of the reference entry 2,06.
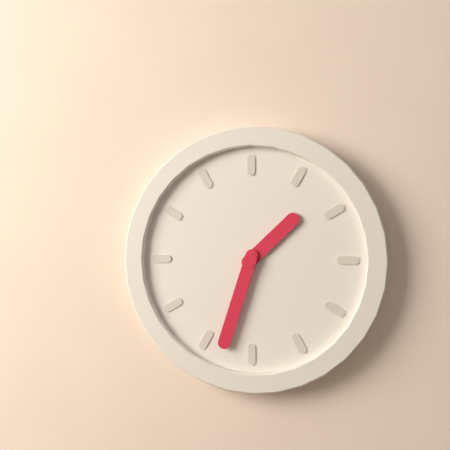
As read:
1,33
